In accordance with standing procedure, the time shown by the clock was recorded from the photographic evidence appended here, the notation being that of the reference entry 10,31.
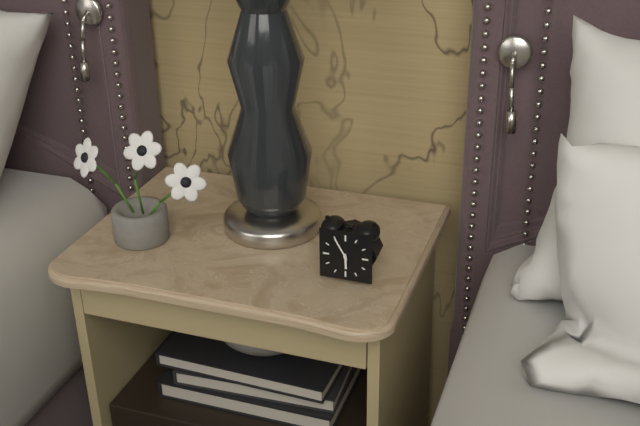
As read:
5,55
